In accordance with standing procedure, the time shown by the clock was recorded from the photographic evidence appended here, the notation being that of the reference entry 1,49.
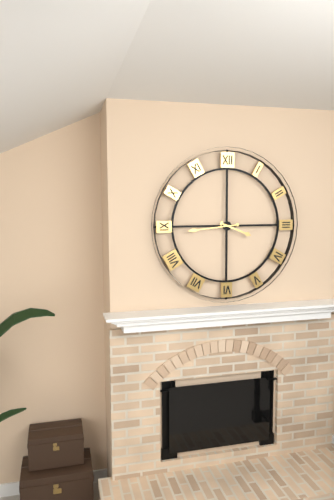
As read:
3,44
